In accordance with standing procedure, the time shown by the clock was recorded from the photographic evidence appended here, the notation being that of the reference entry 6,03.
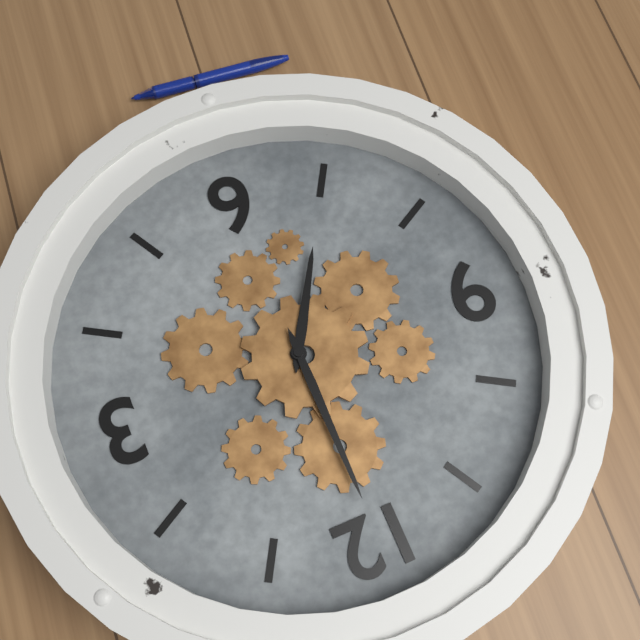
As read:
7,00
